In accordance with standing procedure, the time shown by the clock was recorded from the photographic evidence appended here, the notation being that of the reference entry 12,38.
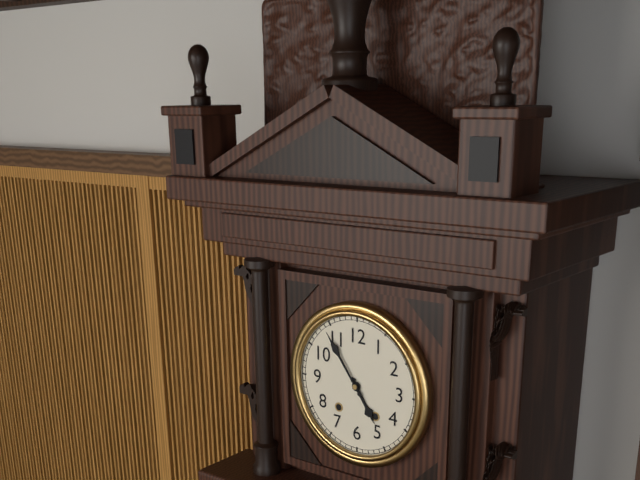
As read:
4,54
